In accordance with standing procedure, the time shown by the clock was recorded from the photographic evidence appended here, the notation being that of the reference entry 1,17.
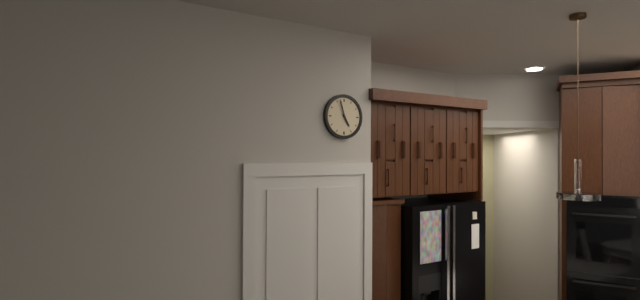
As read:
4,57
